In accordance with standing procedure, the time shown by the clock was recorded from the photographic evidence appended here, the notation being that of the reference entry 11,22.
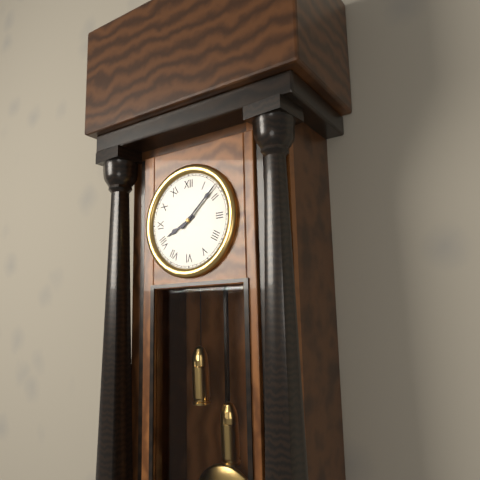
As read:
8,08
